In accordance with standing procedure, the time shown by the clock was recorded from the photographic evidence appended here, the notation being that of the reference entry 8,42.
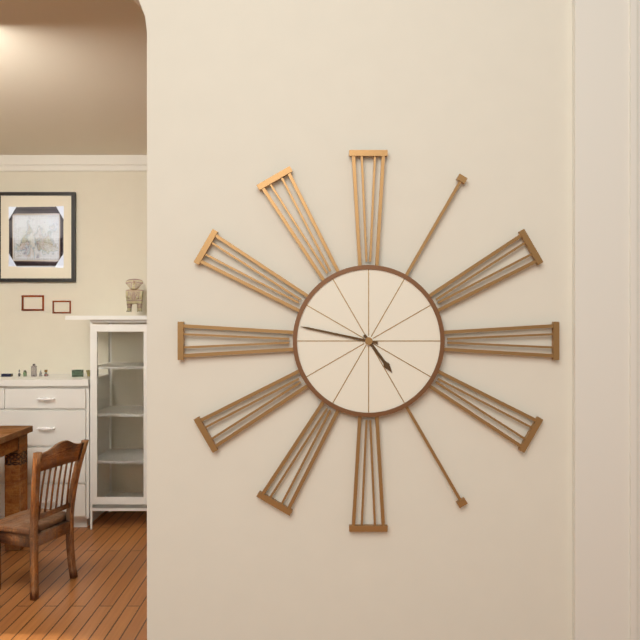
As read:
4,47
